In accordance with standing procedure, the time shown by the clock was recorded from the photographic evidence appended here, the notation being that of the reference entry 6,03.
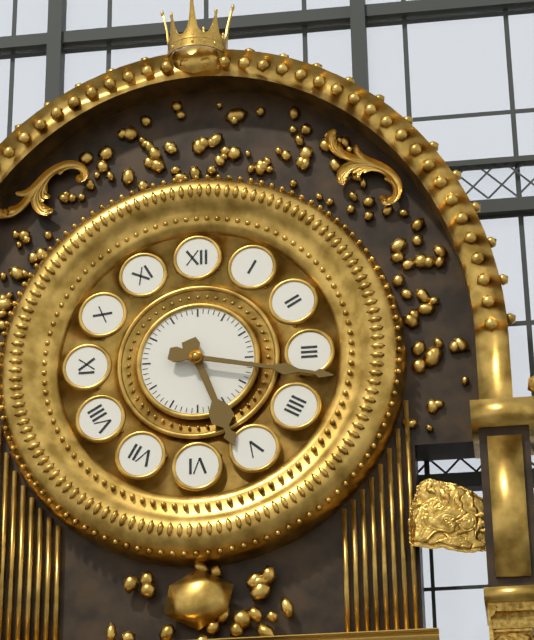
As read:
5,17
